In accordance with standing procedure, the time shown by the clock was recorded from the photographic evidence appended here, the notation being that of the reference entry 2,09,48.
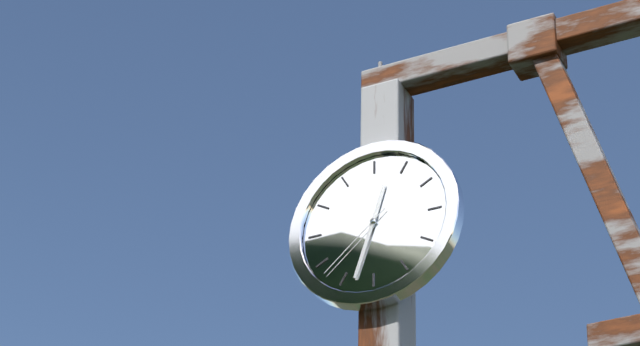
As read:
12,33,38
